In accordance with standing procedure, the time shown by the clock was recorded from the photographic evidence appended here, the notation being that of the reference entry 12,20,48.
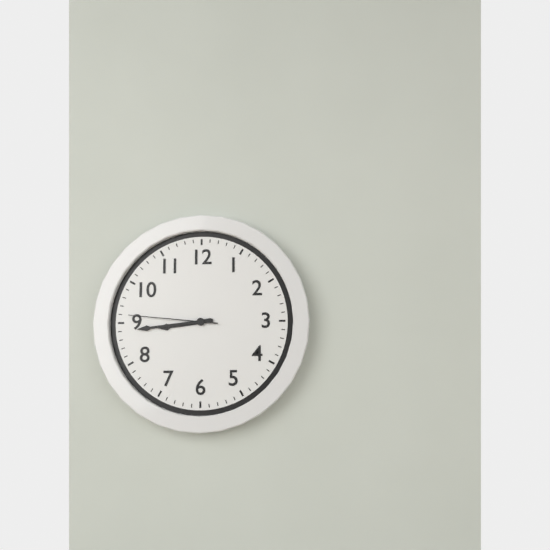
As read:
8,44,46
